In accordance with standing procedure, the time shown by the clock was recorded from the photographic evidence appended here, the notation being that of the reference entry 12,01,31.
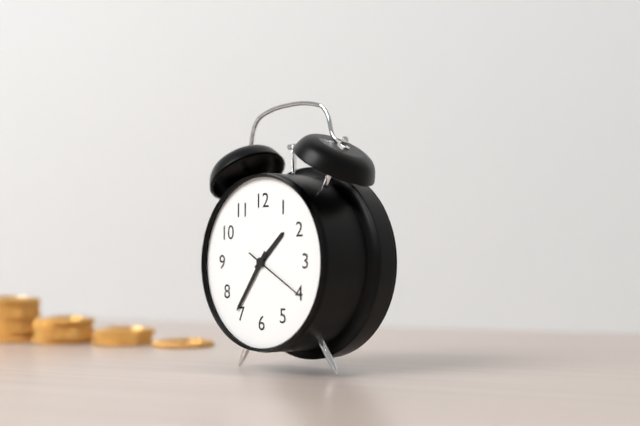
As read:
1,36,20
